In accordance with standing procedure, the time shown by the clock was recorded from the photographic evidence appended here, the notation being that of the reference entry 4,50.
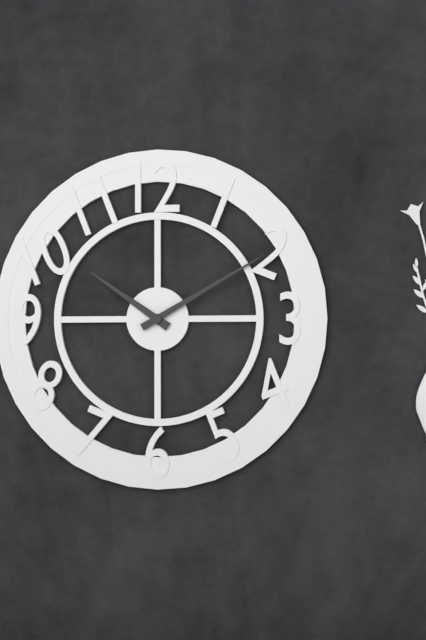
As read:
10,10
